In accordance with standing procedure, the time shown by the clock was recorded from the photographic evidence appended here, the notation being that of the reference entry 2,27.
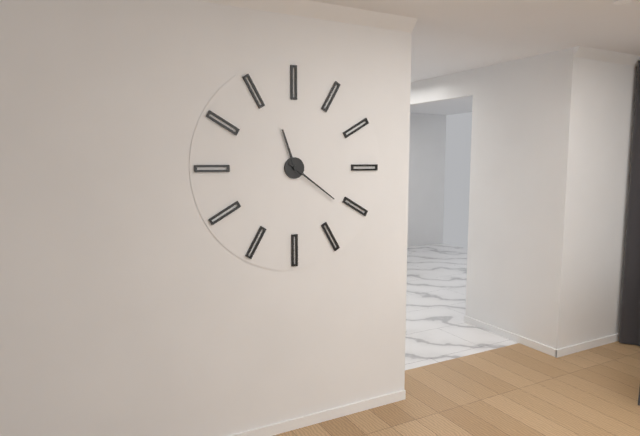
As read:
11,21
